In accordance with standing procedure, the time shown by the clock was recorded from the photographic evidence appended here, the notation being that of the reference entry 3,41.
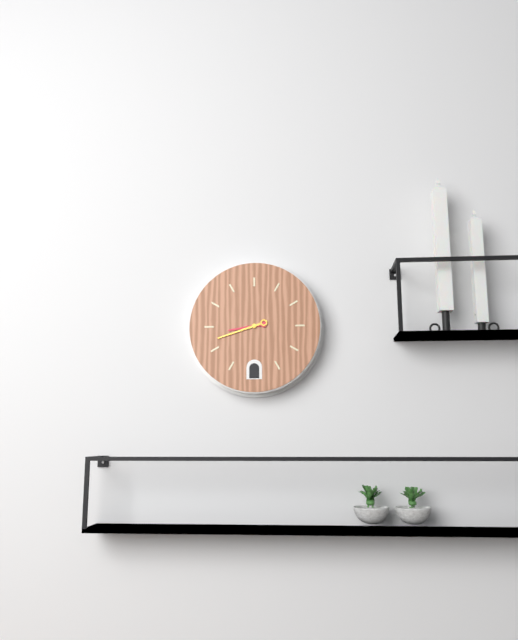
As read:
8,42
